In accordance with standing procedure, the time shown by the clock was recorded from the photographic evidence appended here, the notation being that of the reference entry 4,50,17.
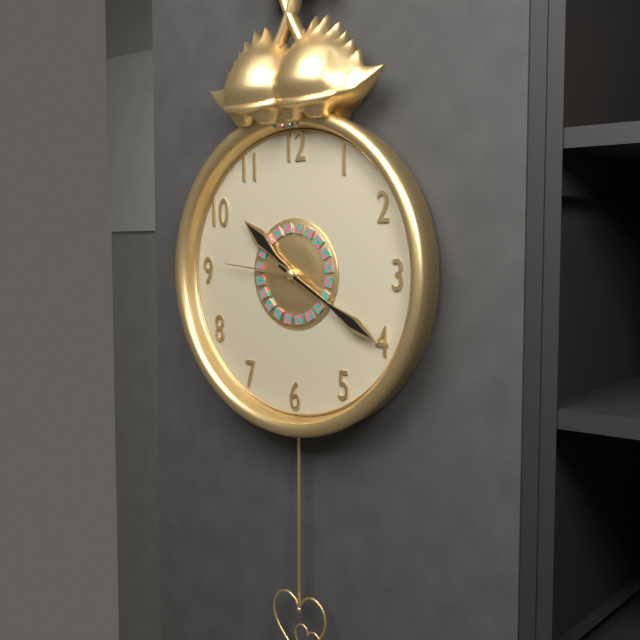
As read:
10,20,46
